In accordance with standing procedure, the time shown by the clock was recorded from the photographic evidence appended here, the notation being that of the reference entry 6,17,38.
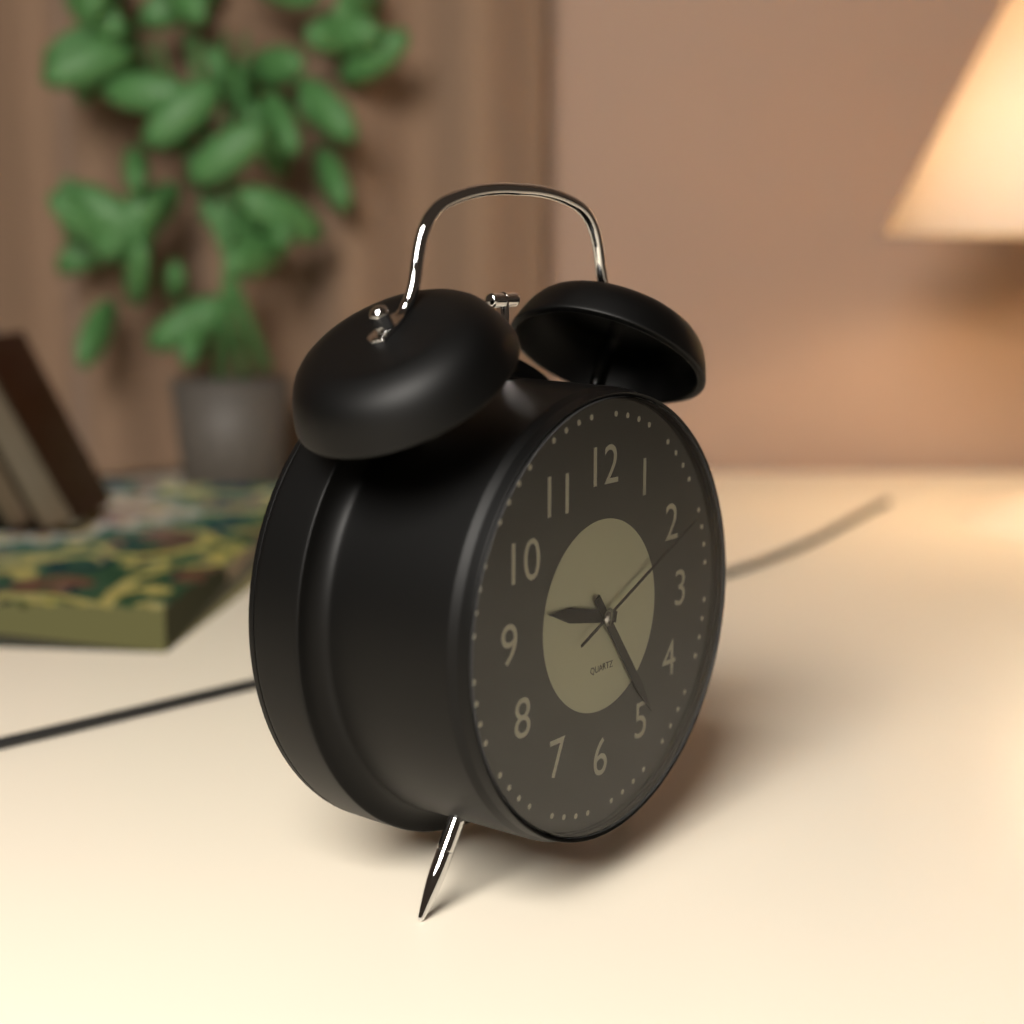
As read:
9,24,11
